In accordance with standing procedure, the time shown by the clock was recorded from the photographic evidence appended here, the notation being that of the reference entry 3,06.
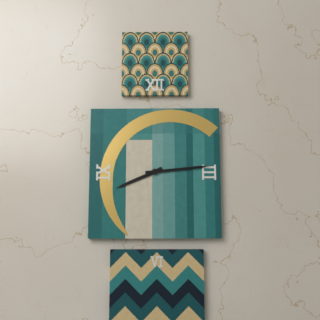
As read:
8,14
